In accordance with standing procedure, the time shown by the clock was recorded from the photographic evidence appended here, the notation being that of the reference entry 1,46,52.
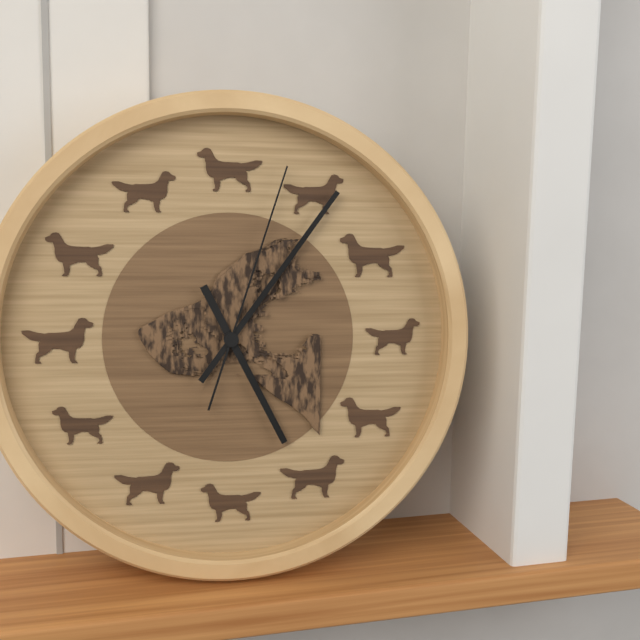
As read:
5,06,03
